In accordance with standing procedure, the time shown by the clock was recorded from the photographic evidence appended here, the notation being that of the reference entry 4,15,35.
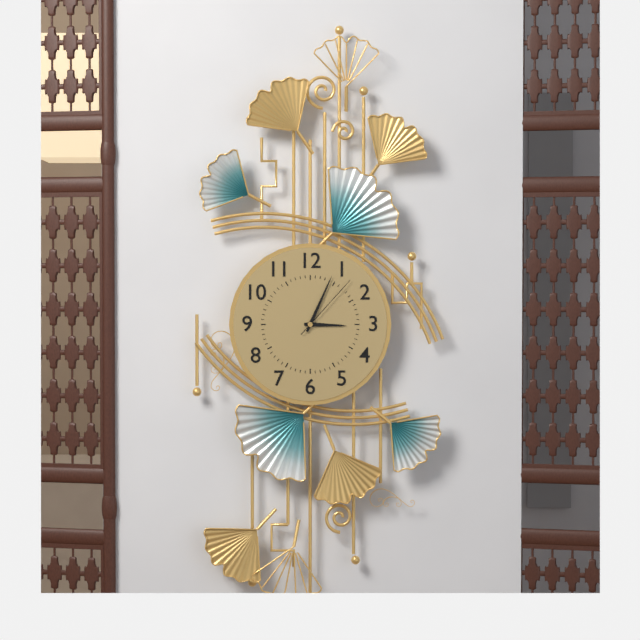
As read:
3,04,07
